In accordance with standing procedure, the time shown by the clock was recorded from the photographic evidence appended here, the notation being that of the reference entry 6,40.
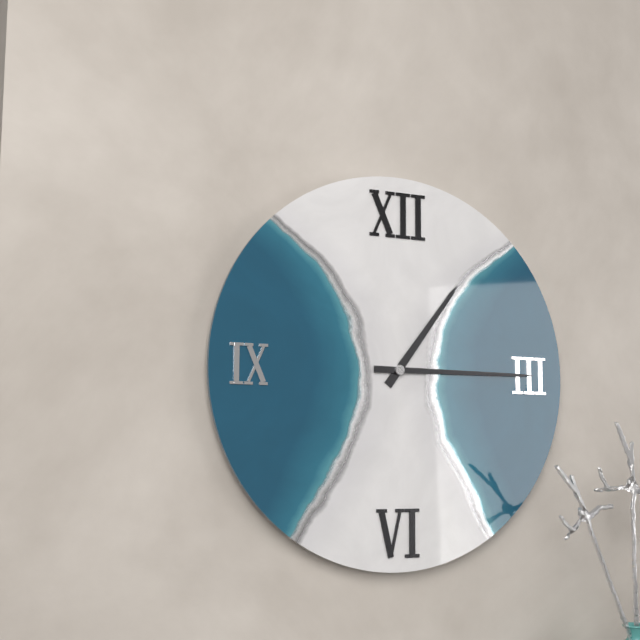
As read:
1,15
